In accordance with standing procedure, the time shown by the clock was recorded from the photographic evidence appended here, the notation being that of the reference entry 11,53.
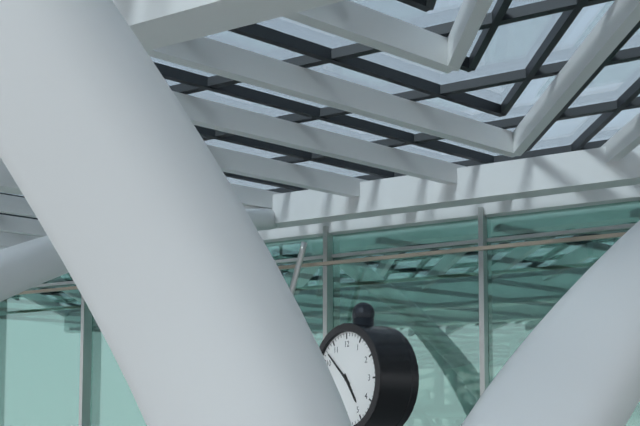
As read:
4,52
